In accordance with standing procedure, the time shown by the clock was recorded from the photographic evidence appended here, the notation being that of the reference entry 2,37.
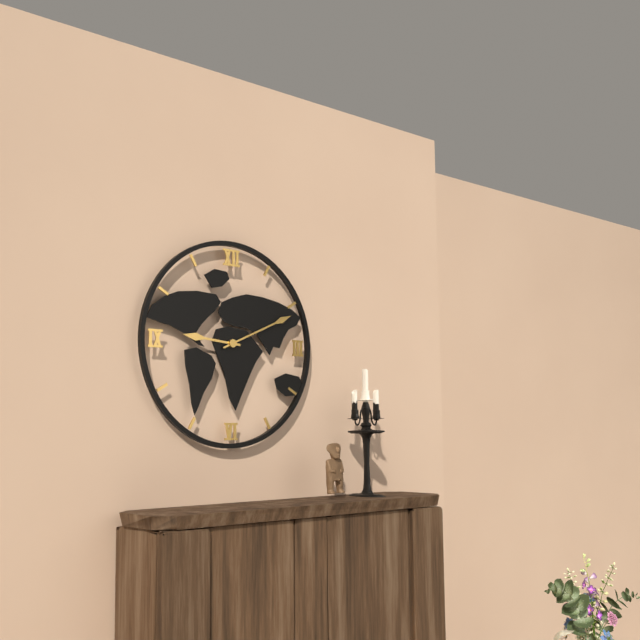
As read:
9,11
